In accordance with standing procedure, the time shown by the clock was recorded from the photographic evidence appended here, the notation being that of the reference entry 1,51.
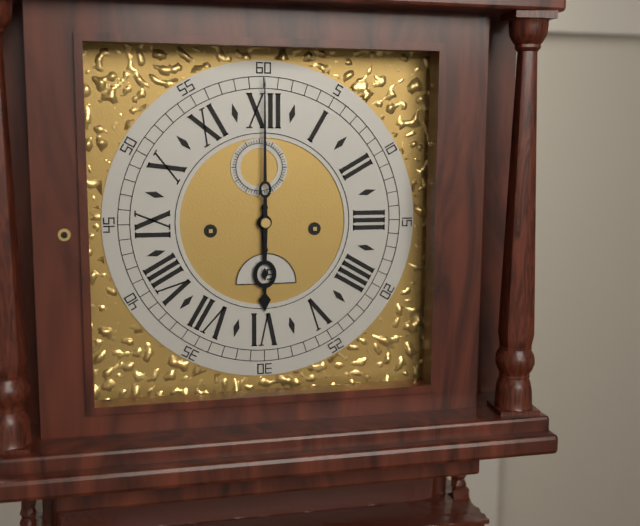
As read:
6,00
